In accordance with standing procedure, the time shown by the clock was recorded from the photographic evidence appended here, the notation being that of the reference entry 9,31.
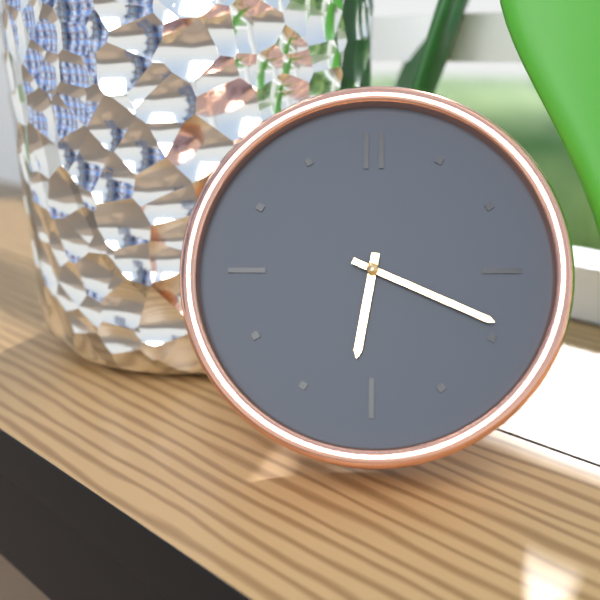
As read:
6,19
